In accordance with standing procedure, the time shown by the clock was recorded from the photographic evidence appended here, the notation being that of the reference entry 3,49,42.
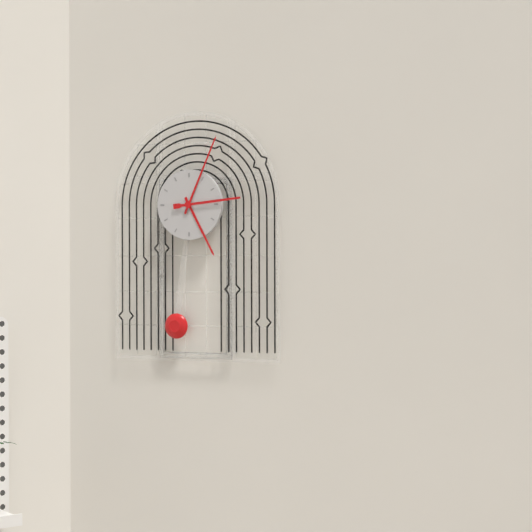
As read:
5,04,14
